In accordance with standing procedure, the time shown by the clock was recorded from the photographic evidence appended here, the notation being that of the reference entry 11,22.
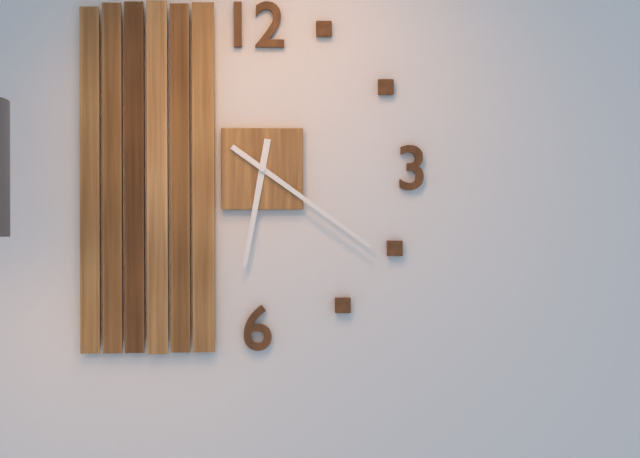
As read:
6,21
